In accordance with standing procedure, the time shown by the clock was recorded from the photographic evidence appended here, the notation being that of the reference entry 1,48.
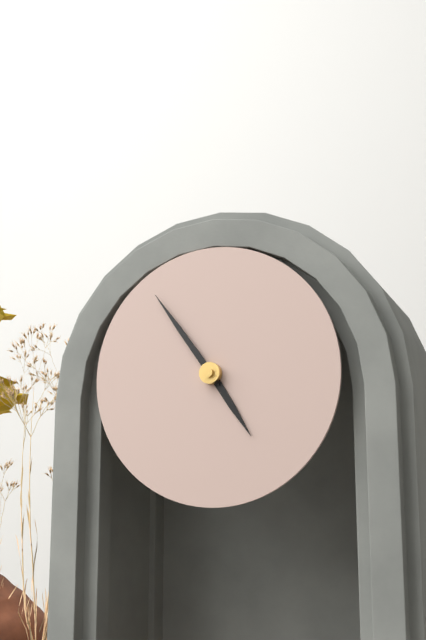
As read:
4,54
